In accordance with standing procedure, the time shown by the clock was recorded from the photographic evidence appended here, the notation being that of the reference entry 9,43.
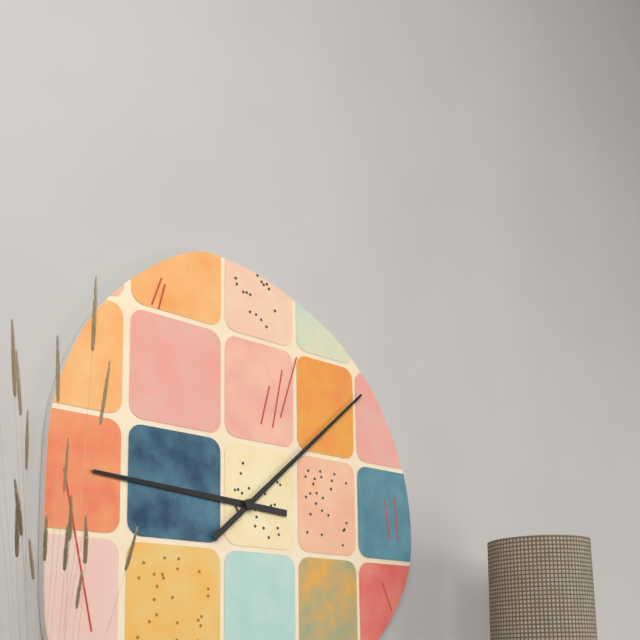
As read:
9,08
